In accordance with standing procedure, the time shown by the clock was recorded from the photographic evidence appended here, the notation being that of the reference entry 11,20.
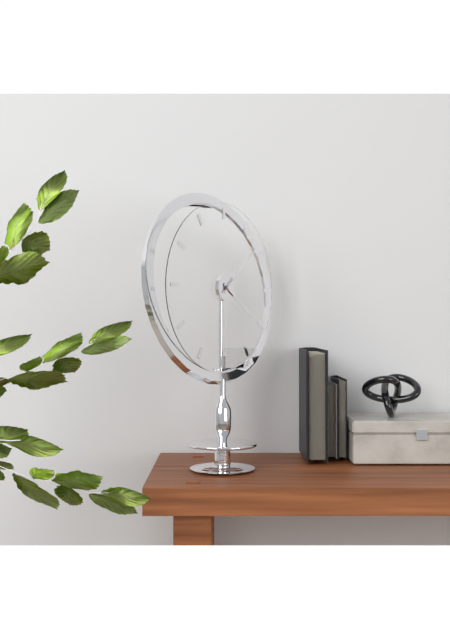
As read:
4,08
